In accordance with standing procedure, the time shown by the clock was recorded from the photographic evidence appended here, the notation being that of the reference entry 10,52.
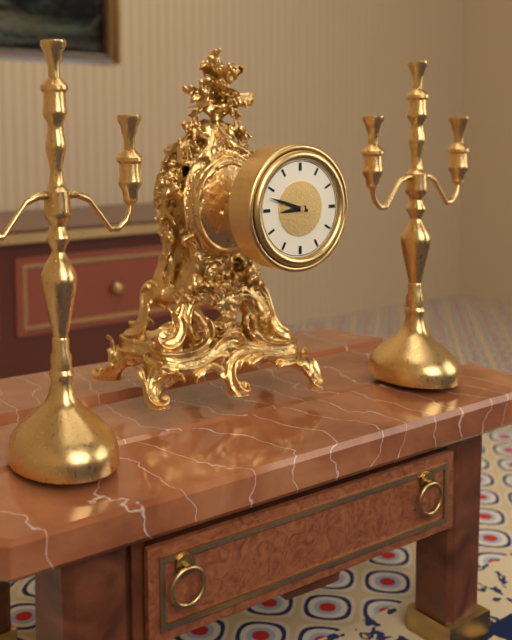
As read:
8,48
